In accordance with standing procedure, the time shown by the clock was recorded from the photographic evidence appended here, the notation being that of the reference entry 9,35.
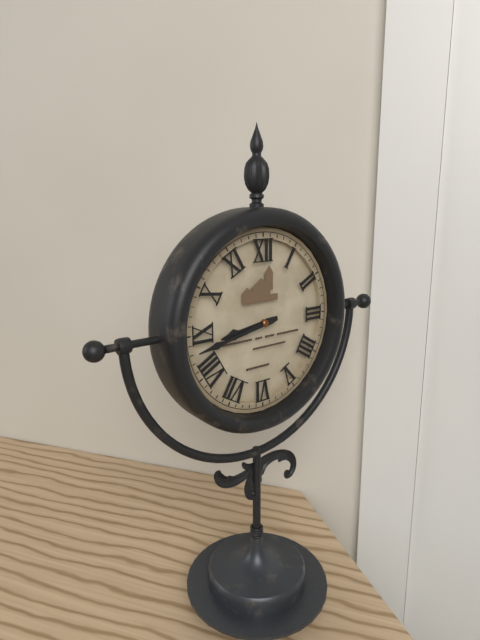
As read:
8,43
